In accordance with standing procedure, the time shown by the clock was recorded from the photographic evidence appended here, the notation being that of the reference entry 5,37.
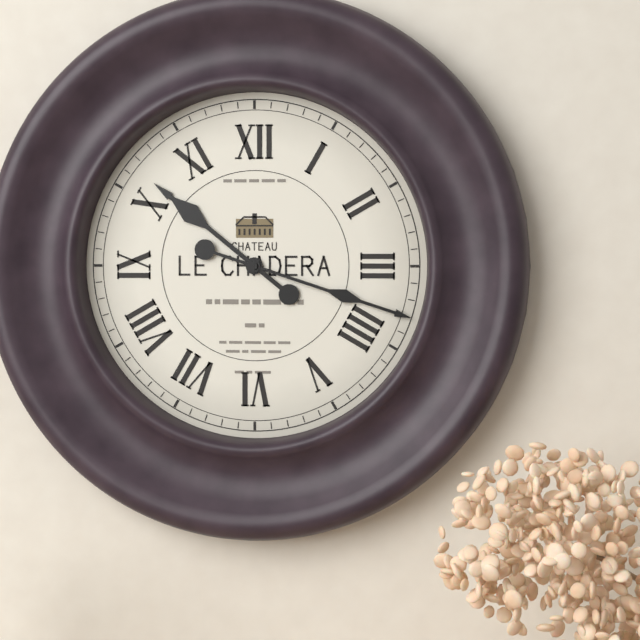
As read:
10,18
